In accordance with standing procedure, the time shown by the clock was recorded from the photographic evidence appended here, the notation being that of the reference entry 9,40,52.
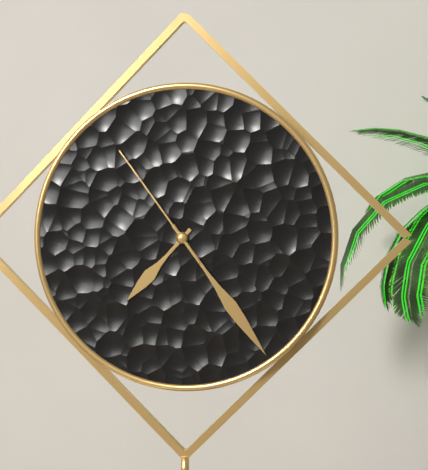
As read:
7,24,54
